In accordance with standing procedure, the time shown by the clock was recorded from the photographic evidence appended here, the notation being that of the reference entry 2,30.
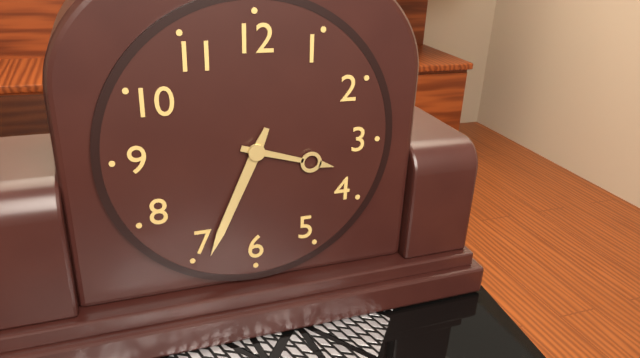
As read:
3,34
